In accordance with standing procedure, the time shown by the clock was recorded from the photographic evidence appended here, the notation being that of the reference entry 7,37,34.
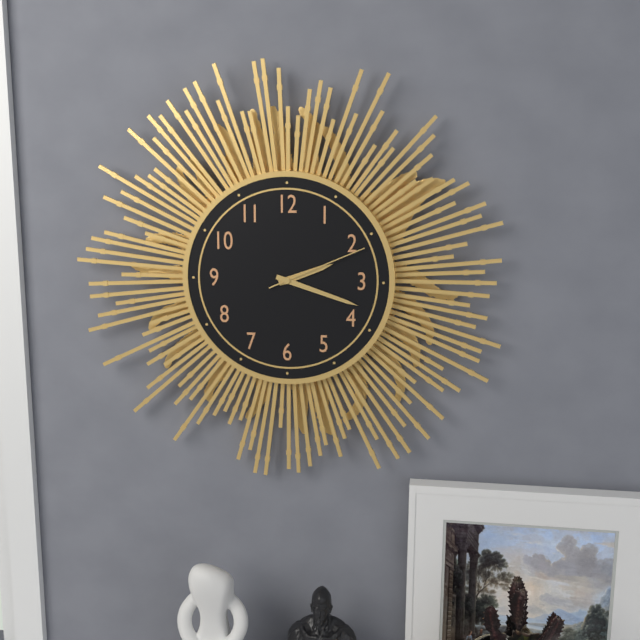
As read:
2,18,11
